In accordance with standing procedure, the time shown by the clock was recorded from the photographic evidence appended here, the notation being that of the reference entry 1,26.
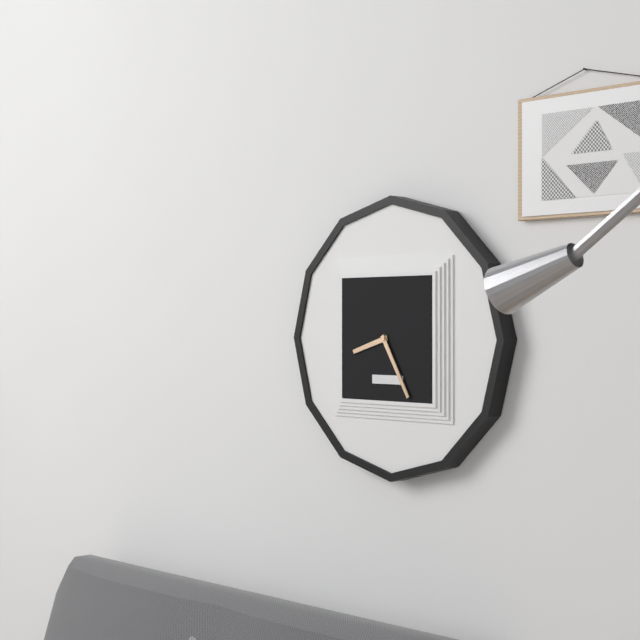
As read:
8,25
